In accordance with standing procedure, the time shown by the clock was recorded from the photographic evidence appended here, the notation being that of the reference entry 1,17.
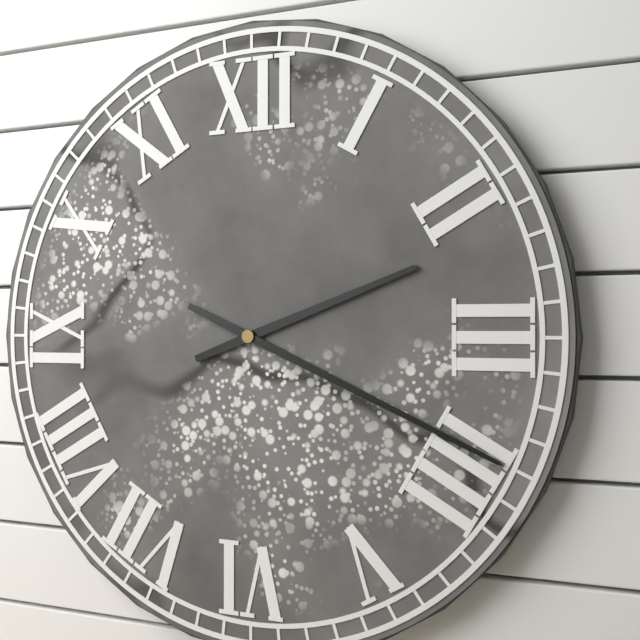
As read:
2,19
